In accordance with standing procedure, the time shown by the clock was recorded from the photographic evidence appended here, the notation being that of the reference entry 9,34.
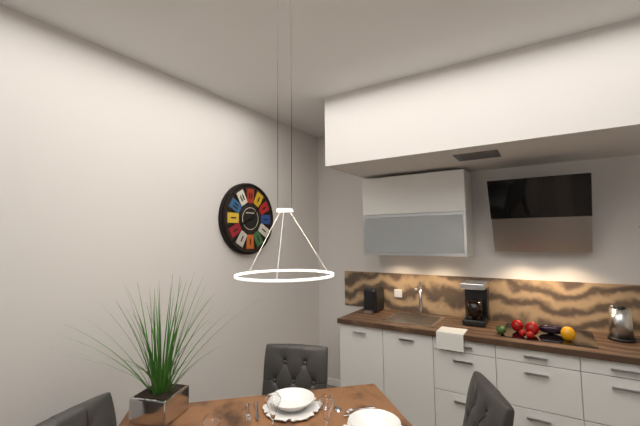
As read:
8,07
